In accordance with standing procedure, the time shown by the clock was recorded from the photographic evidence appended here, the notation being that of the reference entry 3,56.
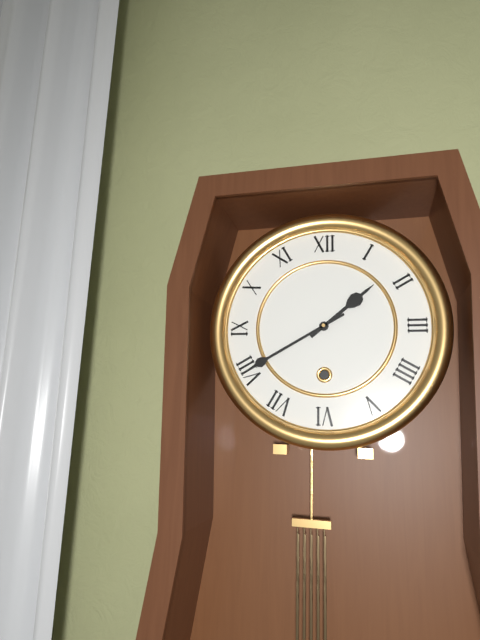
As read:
1,40
